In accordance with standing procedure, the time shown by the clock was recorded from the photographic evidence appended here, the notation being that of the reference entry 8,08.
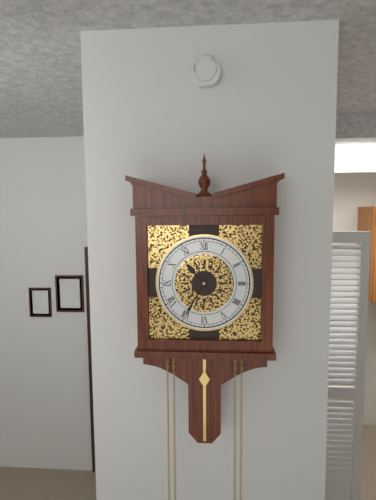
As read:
10,35
